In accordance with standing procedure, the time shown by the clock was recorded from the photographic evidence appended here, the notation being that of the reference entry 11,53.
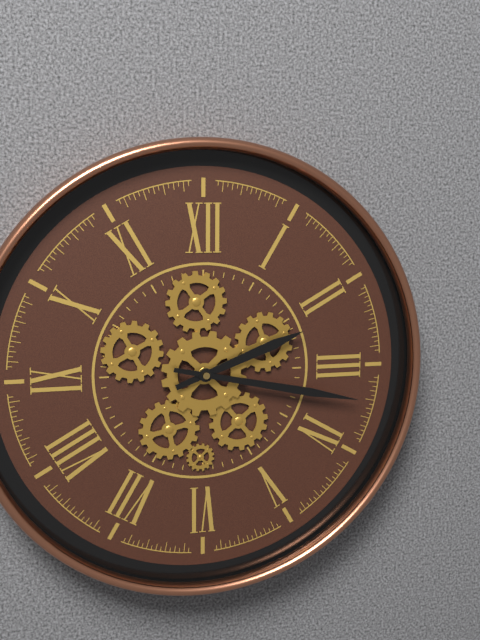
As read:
2,17
